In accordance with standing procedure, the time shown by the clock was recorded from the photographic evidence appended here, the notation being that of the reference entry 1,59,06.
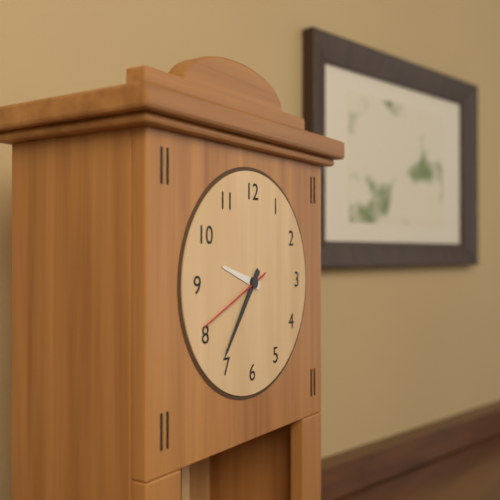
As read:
9,36,41
